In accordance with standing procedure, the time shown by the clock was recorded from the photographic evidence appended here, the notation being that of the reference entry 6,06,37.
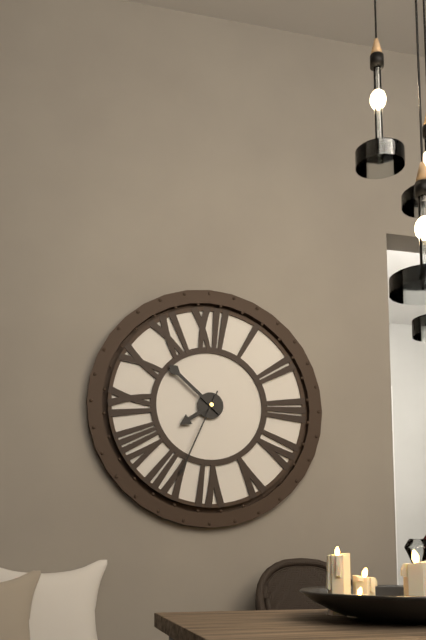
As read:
7,52,34
